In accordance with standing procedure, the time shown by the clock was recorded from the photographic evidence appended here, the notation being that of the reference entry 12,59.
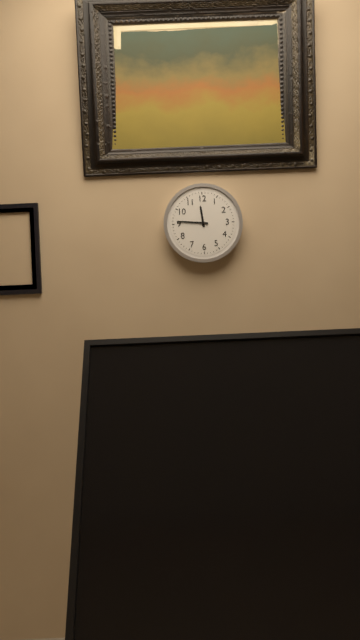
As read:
11,46
